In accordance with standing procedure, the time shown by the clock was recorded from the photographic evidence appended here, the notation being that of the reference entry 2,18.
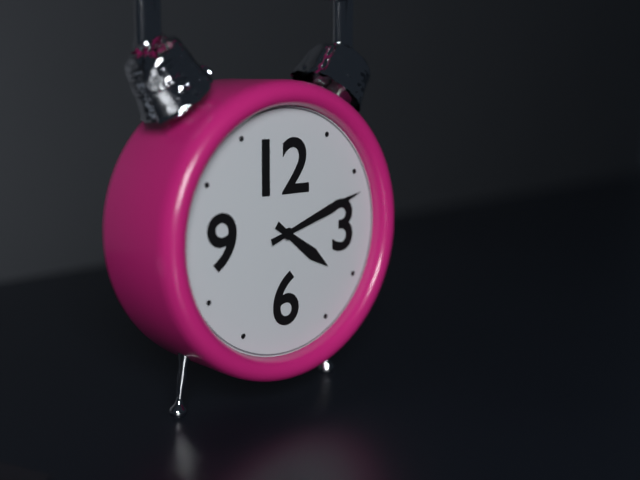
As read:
4,12
